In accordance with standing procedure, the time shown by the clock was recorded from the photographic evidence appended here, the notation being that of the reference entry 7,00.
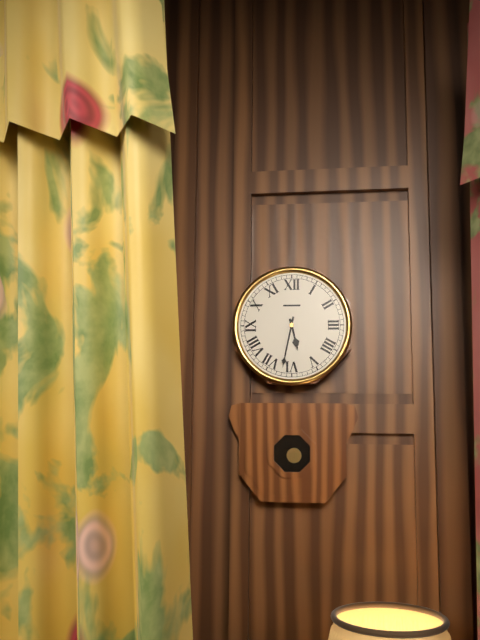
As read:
5,32
